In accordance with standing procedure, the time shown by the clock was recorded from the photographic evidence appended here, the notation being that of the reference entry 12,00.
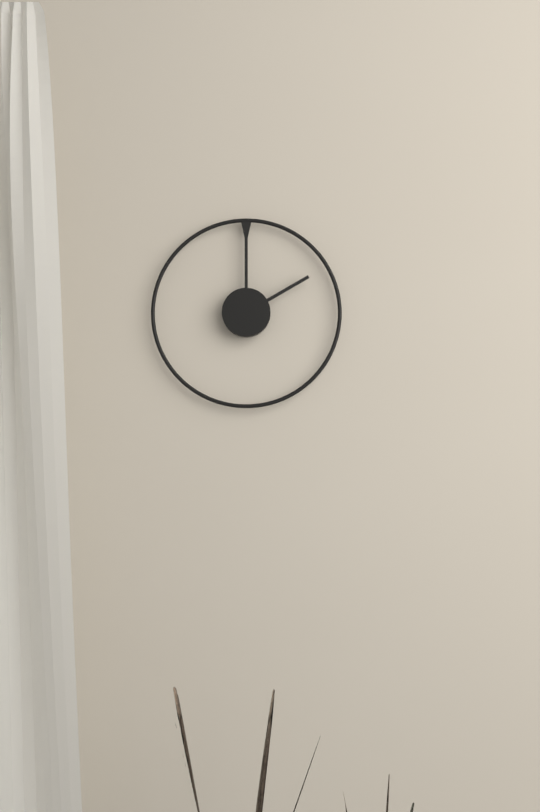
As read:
2,00
